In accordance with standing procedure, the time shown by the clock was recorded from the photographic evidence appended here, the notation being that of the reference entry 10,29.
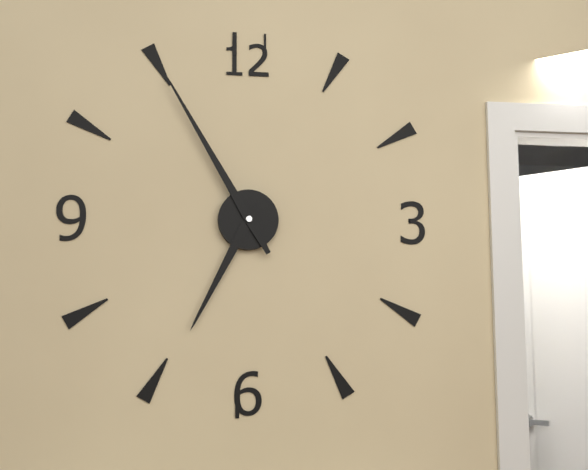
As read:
6,55
